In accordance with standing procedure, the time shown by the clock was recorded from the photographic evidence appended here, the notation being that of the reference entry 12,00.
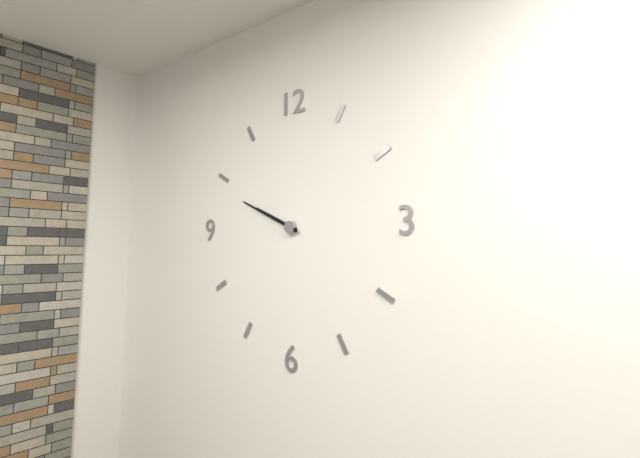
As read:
9,49
